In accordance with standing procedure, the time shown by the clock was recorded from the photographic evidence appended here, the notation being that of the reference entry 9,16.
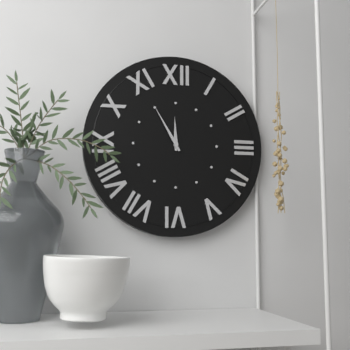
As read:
11,55
